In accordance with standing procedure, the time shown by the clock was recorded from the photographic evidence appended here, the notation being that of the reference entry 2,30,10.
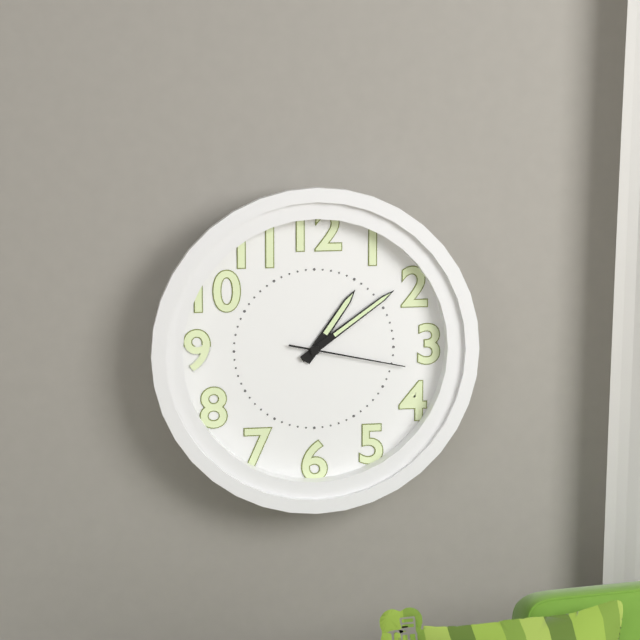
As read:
1,09,17
